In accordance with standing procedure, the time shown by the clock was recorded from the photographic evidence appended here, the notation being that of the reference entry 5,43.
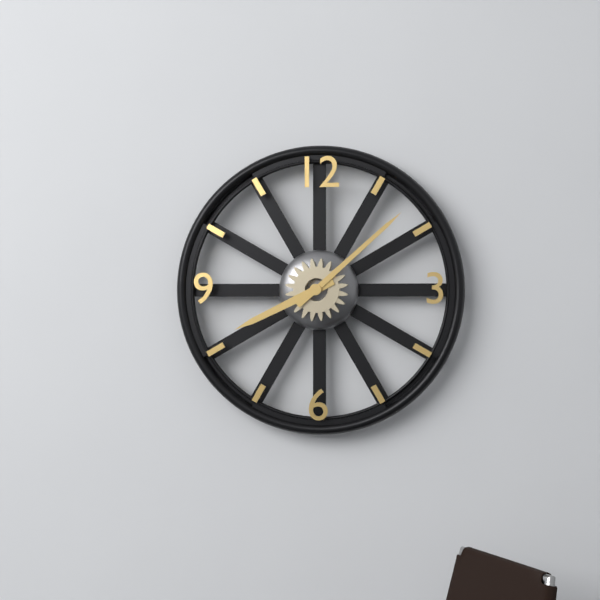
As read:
8,08
